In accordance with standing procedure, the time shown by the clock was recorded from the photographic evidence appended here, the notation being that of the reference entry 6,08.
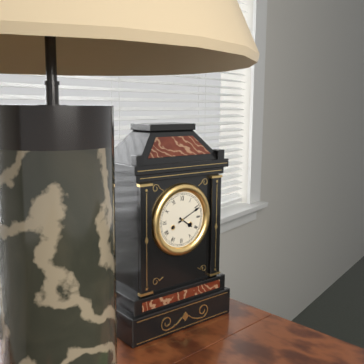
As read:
4,11
